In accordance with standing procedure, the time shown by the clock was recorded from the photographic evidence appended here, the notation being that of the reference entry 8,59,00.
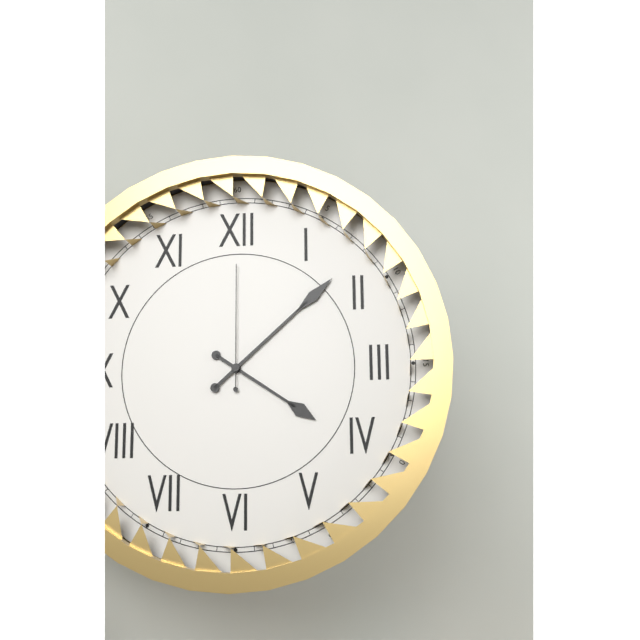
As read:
4,08,00
